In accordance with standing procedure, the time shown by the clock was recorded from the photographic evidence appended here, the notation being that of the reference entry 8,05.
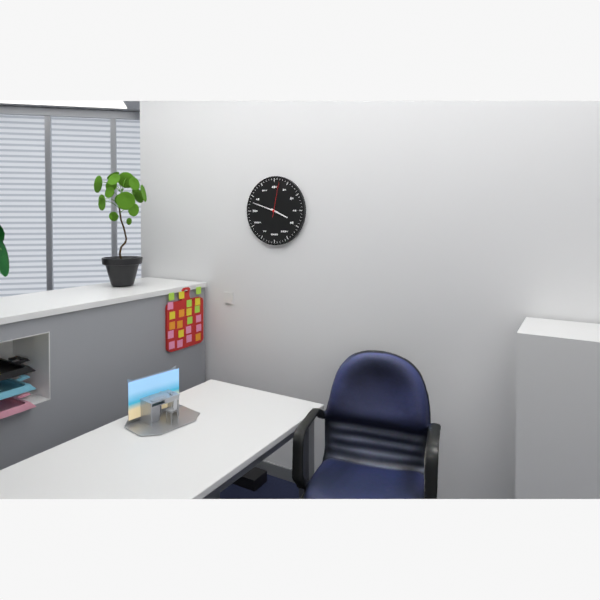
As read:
3,48
